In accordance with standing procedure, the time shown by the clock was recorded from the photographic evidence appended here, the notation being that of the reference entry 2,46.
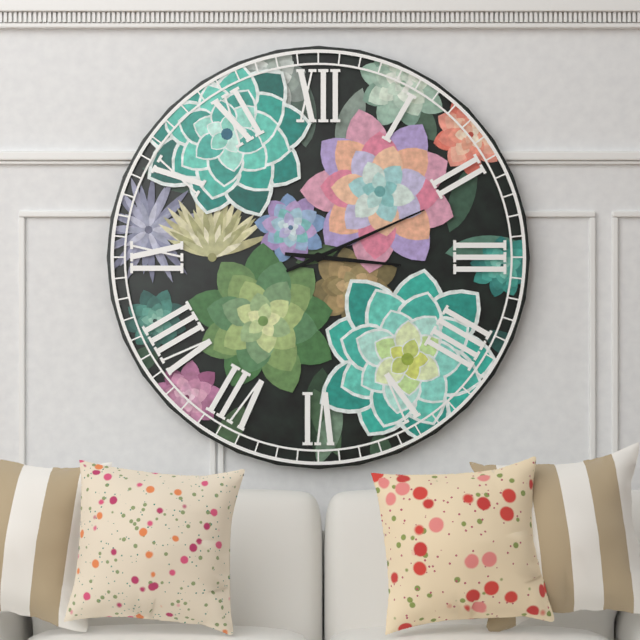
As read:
3,11
